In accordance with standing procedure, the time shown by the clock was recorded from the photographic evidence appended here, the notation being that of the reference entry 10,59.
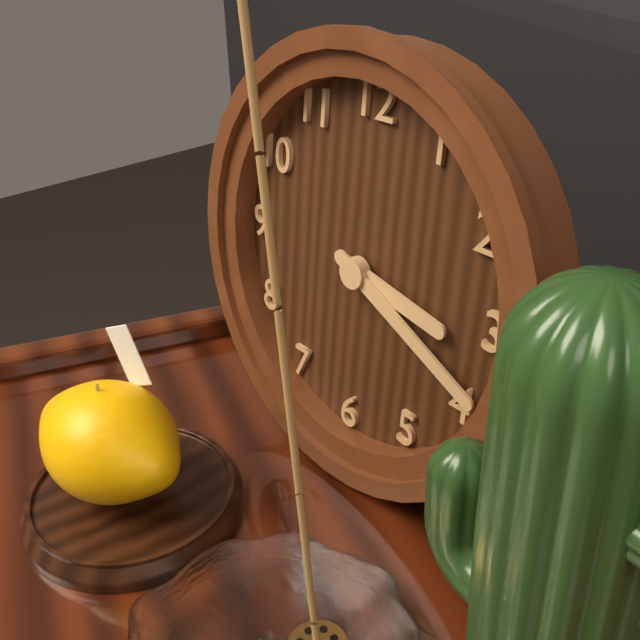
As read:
3,19
